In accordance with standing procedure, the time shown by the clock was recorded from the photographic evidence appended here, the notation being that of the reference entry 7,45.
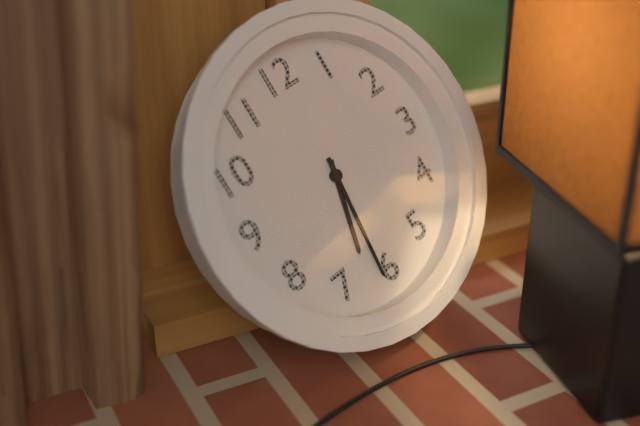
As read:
6,31
